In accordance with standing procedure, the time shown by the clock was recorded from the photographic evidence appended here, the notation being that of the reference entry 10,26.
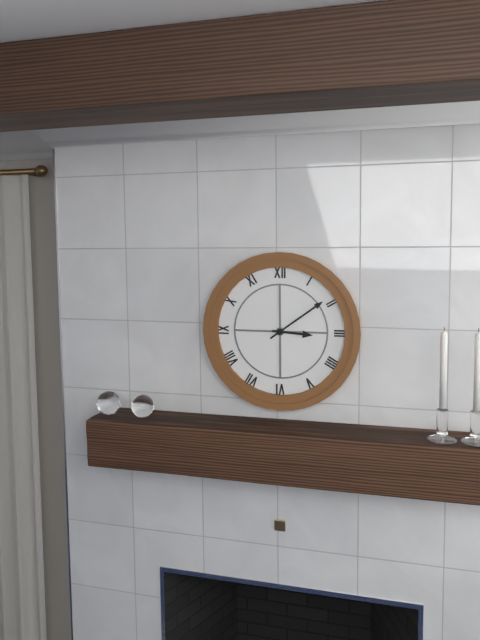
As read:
3,09
